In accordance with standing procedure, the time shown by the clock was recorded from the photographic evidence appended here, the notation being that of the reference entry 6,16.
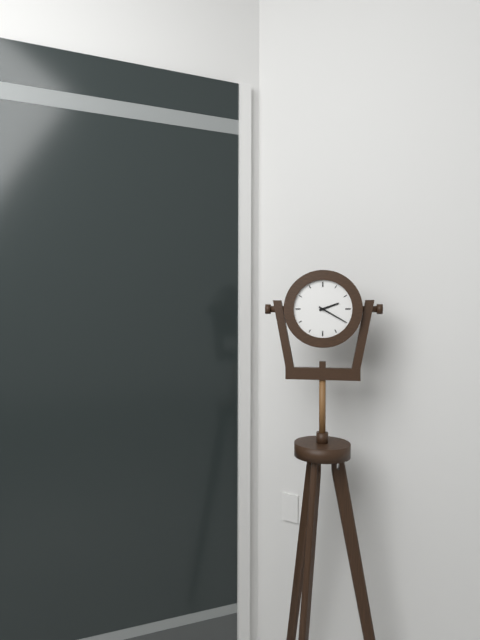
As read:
2,20
